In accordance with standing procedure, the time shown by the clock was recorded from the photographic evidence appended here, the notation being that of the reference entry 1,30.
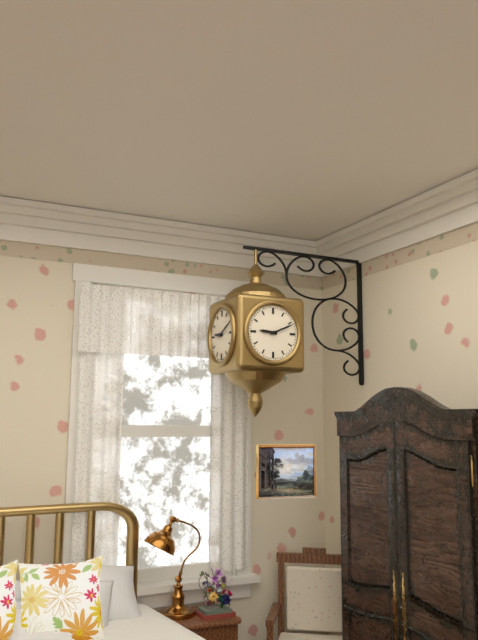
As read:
9,11
